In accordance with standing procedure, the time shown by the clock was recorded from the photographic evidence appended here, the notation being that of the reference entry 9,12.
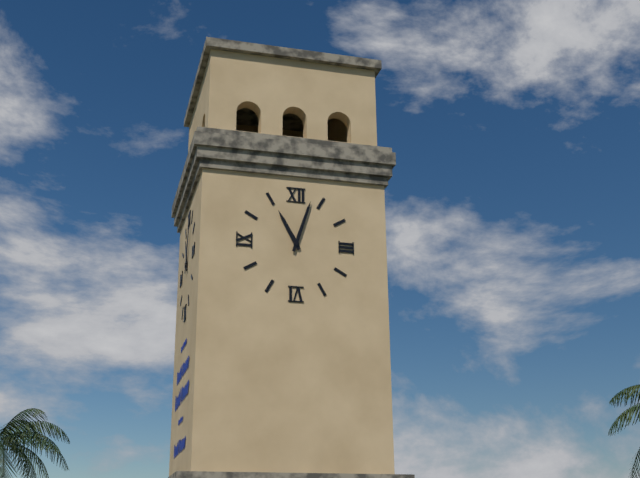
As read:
11,03
